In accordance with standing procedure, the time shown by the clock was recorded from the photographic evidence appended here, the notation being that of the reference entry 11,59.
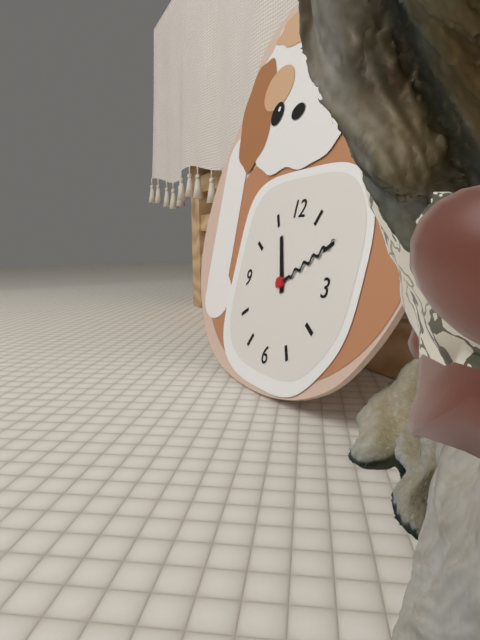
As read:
11,10
